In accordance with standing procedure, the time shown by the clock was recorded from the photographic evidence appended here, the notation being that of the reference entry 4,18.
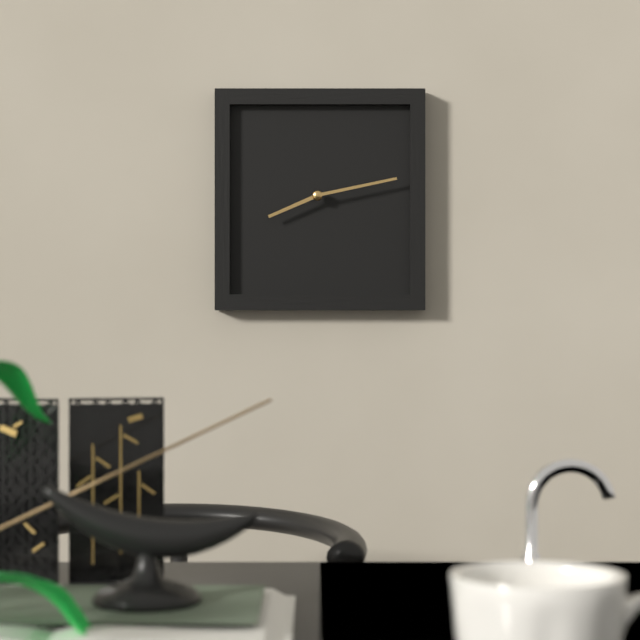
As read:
8,13
